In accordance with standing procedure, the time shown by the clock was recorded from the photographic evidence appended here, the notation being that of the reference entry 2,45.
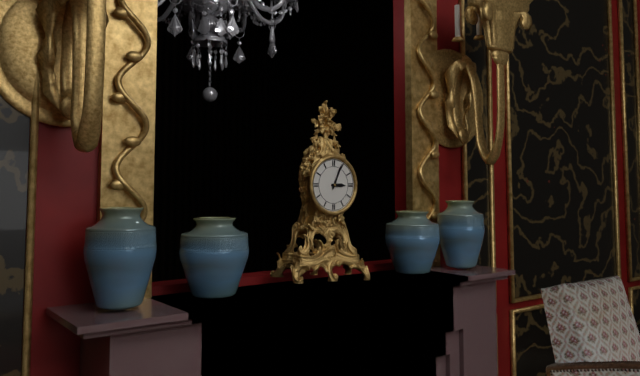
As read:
3,04
